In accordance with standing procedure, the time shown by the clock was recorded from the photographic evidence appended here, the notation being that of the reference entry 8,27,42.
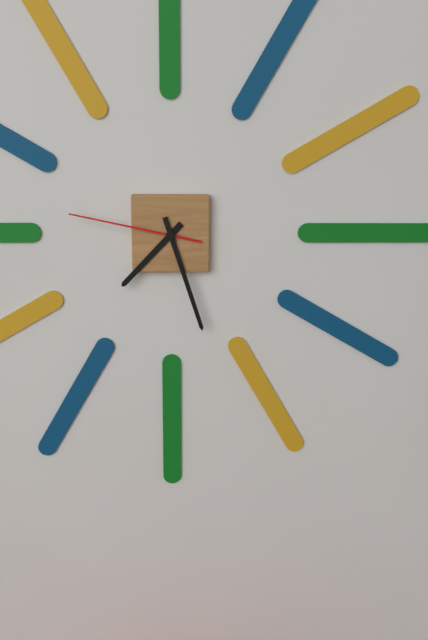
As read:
7,27,47
